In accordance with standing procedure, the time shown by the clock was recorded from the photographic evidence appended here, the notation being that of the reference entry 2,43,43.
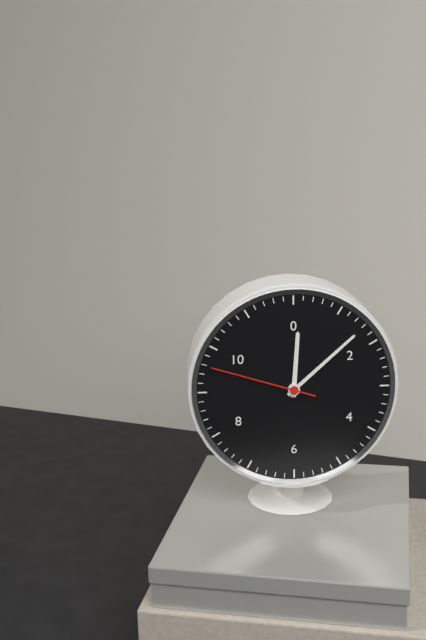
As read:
12,08,48
